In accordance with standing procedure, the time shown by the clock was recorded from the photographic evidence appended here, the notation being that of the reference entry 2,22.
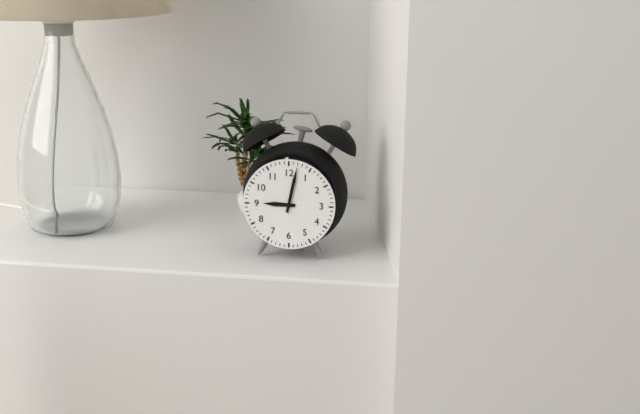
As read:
9,02
